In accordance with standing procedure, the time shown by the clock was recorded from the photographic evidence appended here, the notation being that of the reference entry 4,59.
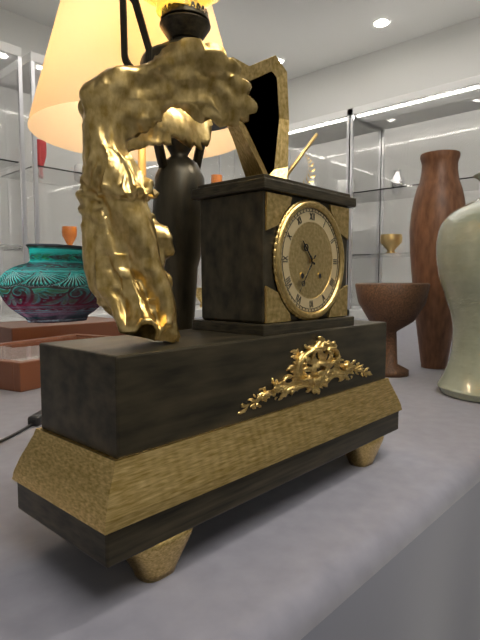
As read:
10,36
